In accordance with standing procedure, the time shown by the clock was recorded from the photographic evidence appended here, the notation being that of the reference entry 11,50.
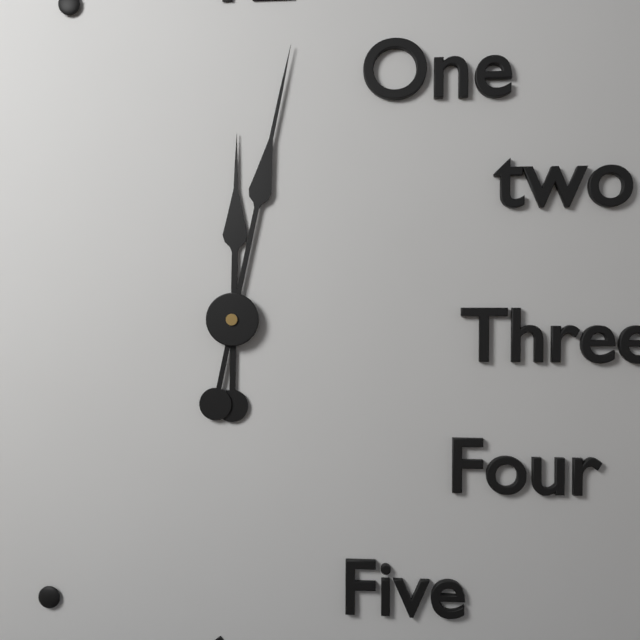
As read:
12,02
